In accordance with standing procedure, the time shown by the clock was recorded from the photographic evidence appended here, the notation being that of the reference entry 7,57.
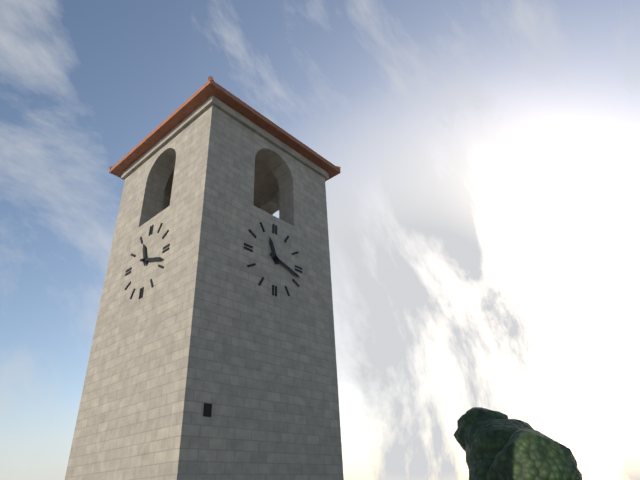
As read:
11,18
